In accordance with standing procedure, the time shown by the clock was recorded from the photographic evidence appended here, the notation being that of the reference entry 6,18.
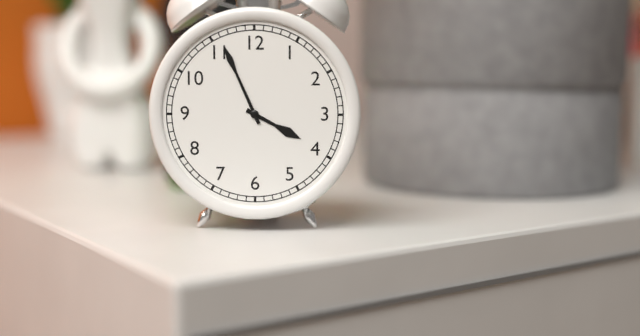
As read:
3,56
